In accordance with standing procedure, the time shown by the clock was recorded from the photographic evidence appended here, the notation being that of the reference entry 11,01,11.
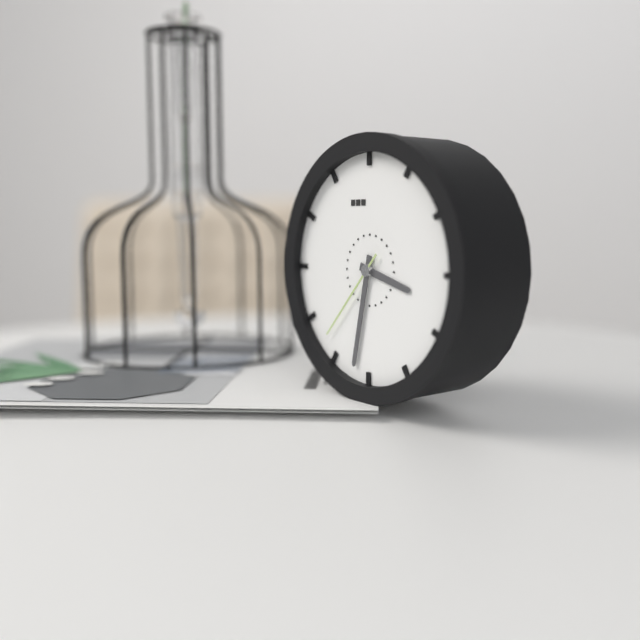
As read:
3,32,37
